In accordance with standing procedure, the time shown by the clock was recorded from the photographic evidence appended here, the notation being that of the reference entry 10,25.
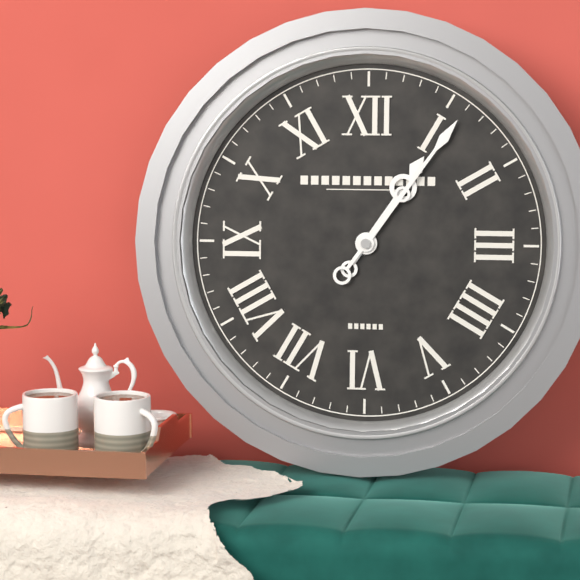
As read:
1,06
